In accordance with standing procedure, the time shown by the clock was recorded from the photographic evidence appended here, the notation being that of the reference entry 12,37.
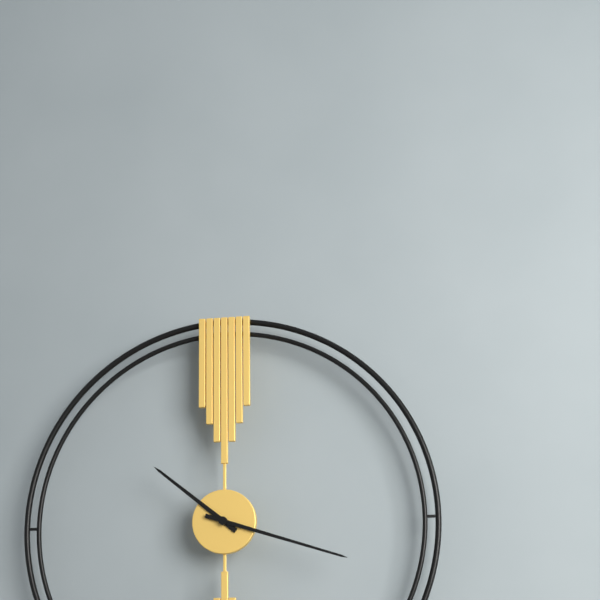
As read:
10,18
